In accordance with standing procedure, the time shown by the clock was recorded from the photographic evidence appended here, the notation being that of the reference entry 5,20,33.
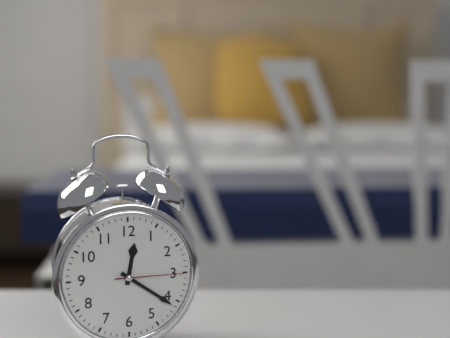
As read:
12,21,15
